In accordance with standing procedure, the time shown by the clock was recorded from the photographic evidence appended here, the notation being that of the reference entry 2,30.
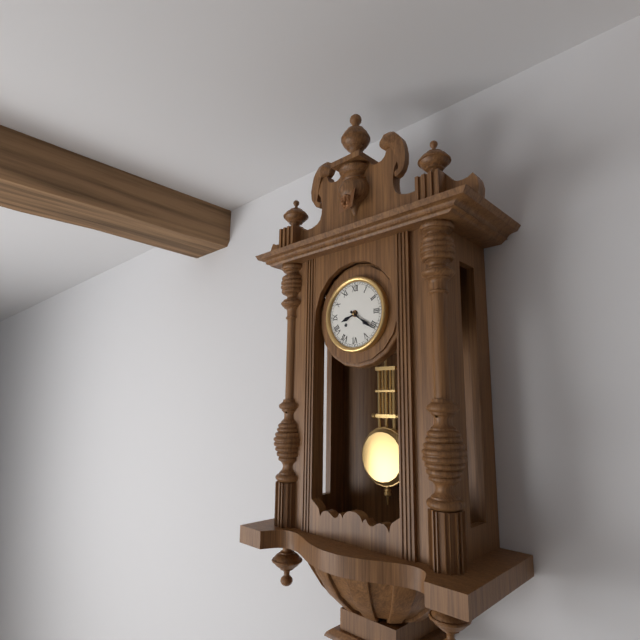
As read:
8,21
